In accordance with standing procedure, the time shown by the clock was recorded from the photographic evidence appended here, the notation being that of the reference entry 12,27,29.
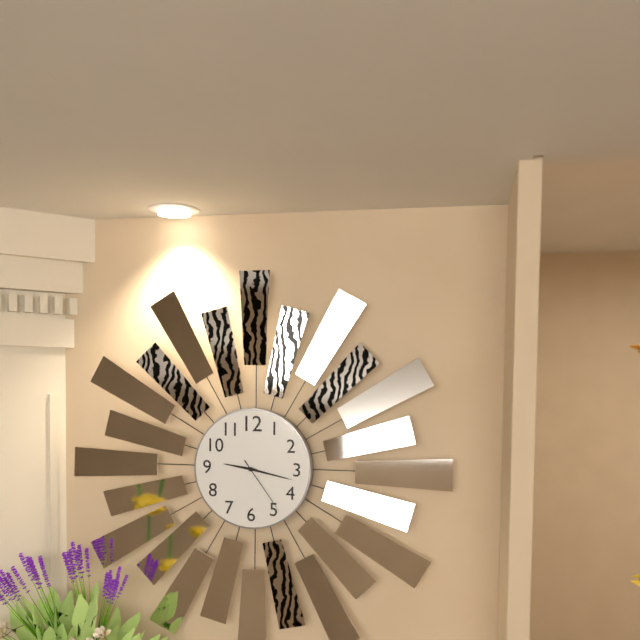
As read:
9,17,24
